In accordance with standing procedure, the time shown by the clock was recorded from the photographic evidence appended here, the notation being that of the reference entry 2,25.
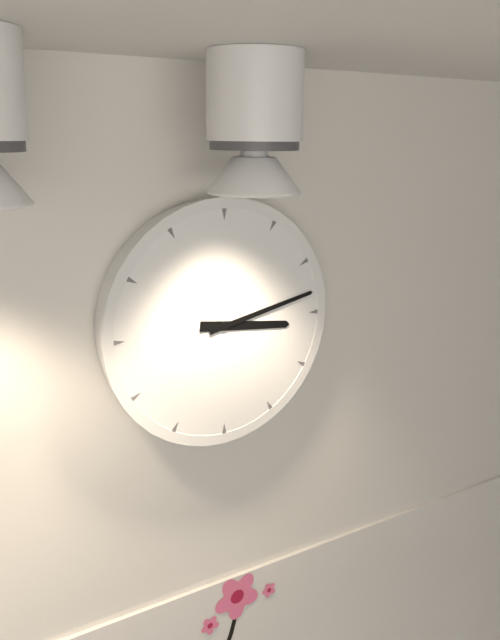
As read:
3,13
